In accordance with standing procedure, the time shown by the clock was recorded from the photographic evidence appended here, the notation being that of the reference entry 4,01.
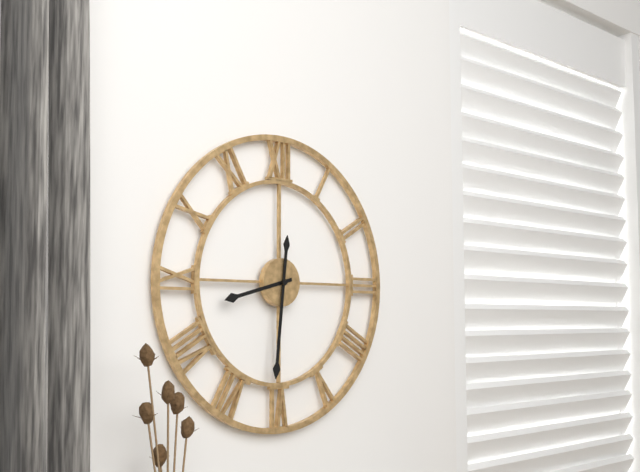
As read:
8,31
